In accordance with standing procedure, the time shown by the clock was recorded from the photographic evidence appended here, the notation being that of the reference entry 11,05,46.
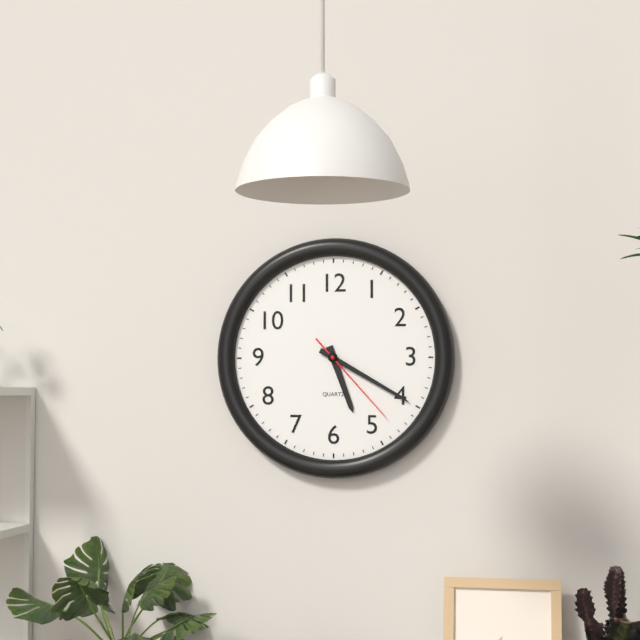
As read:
5,20,23
